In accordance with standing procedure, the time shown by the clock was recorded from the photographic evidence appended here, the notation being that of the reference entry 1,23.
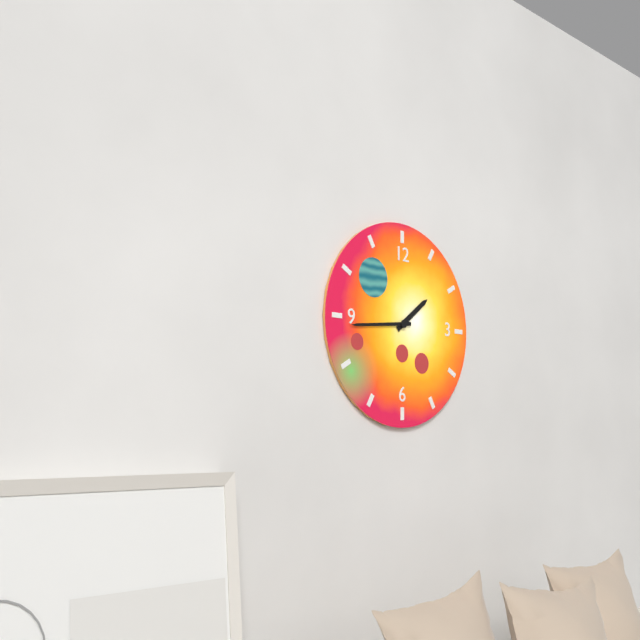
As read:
1,44
